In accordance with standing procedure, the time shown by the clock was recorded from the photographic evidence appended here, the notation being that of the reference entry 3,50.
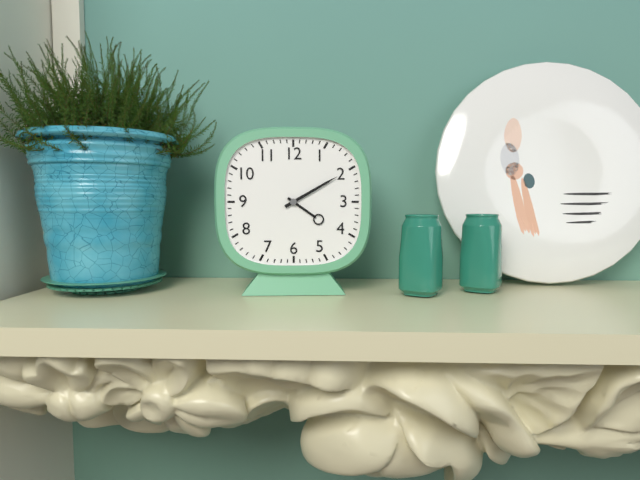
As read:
4,10
